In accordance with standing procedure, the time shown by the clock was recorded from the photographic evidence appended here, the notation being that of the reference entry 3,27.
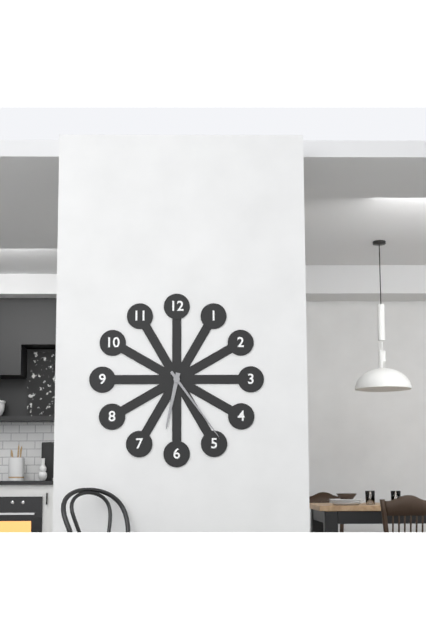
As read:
6,24
